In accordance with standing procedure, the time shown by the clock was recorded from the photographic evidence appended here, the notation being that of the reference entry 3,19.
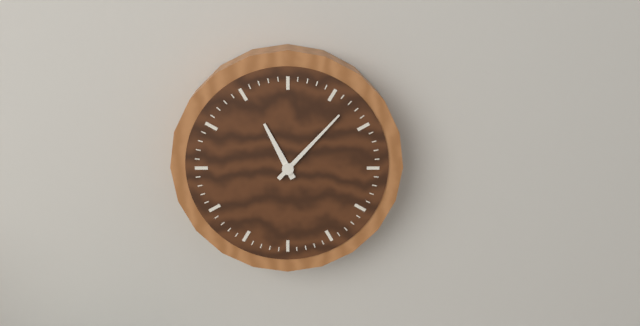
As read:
11,07
